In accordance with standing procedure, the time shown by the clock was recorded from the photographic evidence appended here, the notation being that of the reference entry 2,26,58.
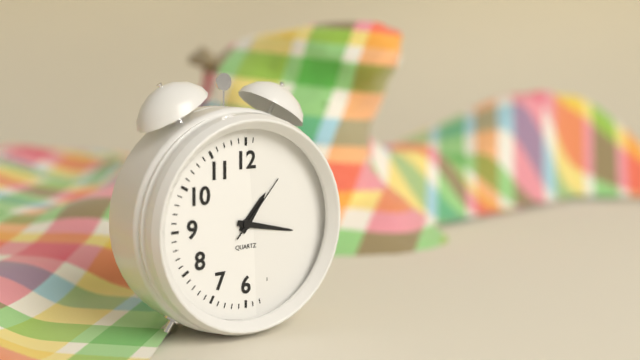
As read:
1,17,07
